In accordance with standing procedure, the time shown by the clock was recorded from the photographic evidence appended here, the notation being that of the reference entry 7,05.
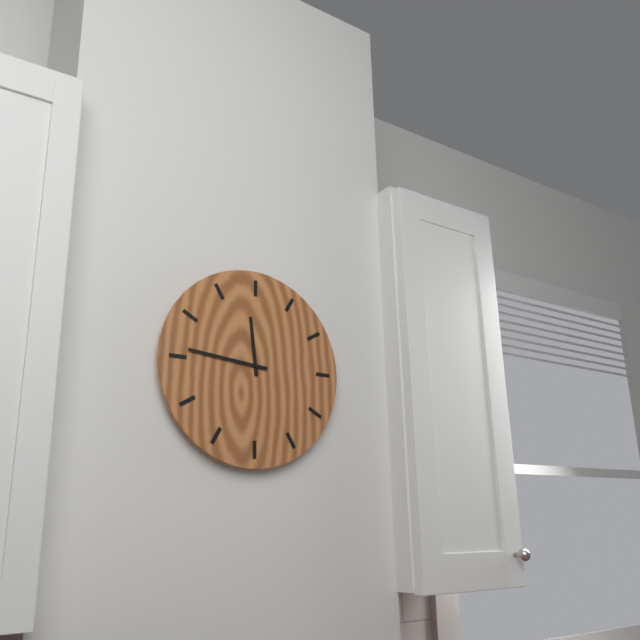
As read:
11,46
